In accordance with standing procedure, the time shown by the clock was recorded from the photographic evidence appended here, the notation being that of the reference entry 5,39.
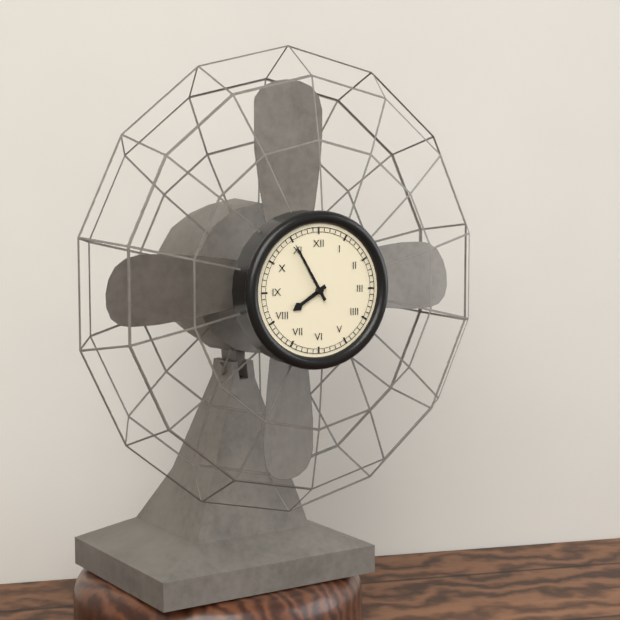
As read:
7,55
